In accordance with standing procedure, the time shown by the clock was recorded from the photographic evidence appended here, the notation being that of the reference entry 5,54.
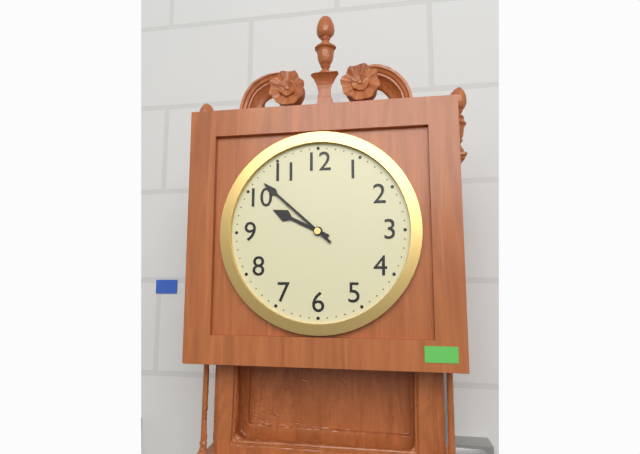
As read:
9,52
